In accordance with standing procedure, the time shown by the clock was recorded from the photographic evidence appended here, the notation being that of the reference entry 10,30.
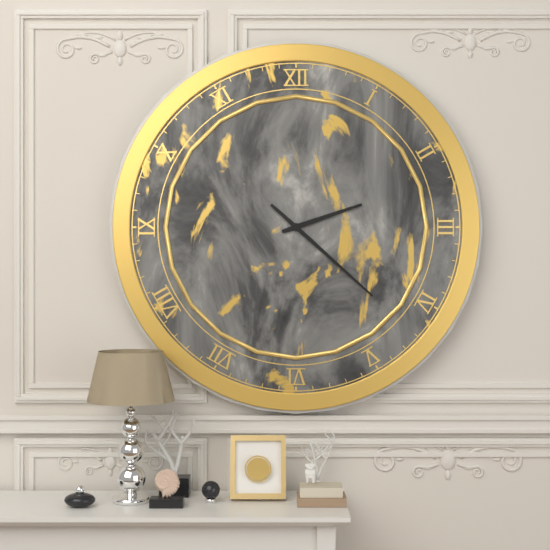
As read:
2,22
